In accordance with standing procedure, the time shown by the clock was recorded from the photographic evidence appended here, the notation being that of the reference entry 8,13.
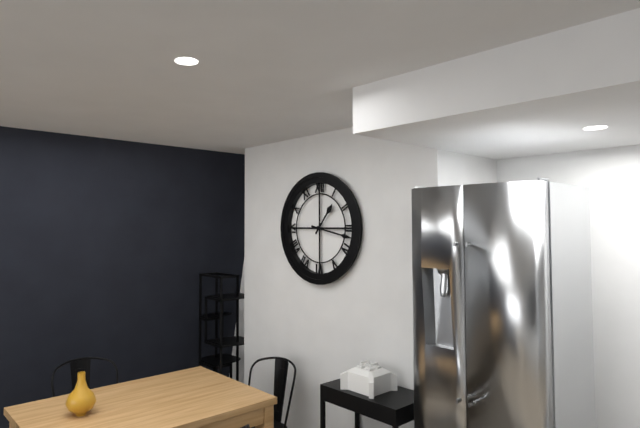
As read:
1,17
